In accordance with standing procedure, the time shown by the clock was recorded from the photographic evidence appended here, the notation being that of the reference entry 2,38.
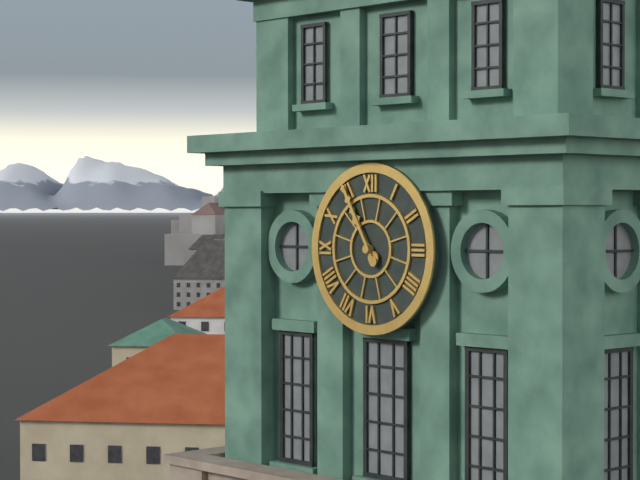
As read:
10,55
